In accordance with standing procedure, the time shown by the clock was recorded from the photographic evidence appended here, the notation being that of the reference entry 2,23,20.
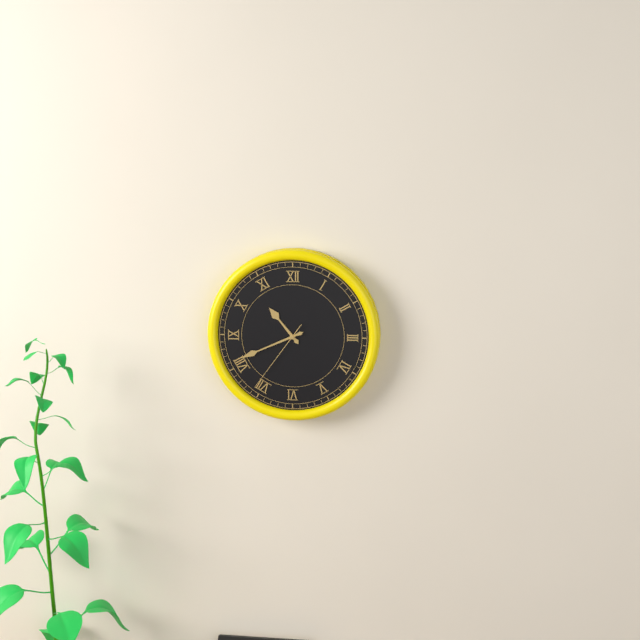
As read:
10,41,36
